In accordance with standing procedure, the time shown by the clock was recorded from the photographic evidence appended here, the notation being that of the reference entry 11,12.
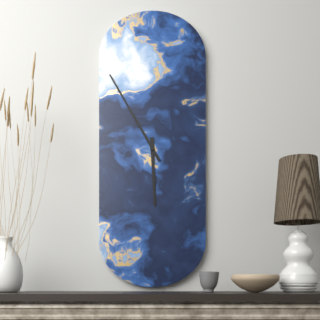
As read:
5,55
